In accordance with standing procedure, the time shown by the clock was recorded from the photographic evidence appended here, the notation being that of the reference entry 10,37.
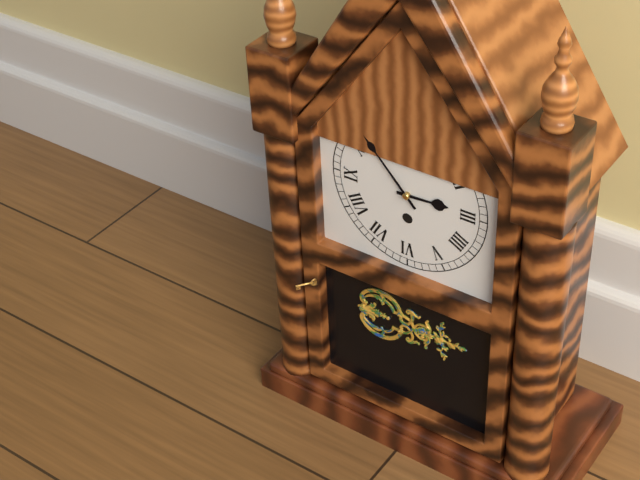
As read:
2,53
